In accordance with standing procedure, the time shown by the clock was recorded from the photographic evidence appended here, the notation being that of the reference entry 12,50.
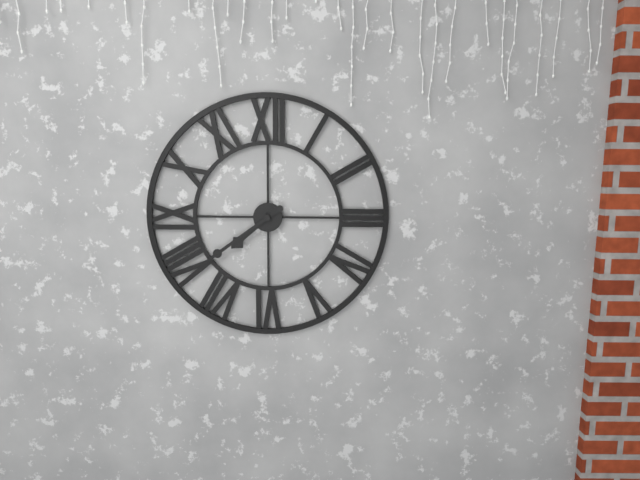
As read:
7,39
